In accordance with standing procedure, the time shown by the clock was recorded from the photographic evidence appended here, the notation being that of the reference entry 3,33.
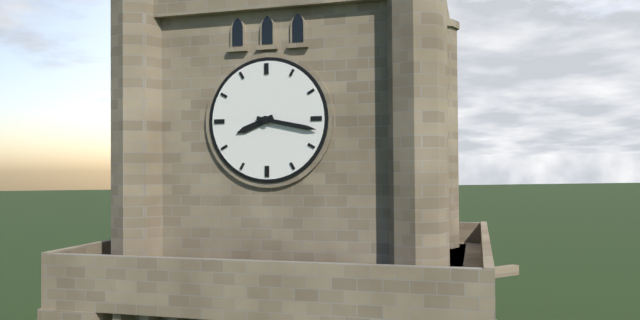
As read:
8,17
